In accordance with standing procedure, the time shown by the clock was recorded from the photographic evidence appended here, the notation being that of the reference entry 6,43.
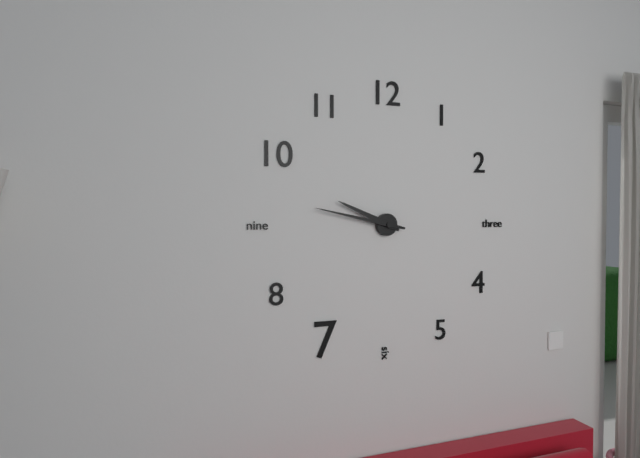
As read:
9,47
